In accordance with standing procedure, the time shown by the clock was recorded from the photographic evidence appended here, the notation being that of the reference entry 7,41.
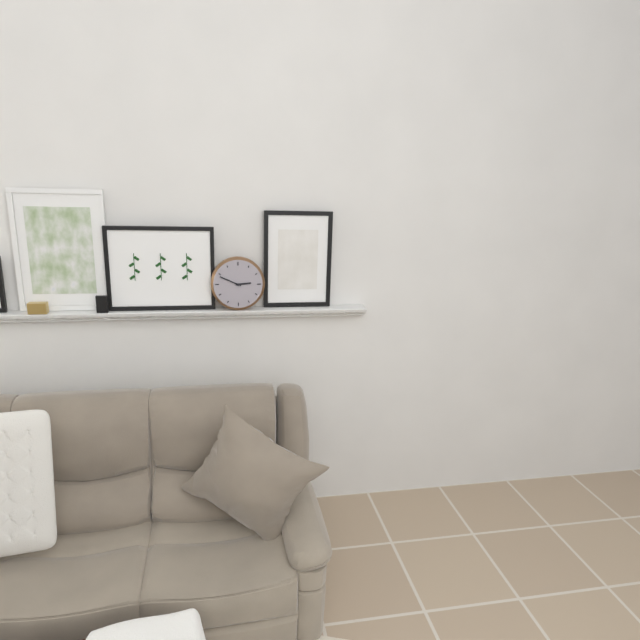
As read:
2,49
